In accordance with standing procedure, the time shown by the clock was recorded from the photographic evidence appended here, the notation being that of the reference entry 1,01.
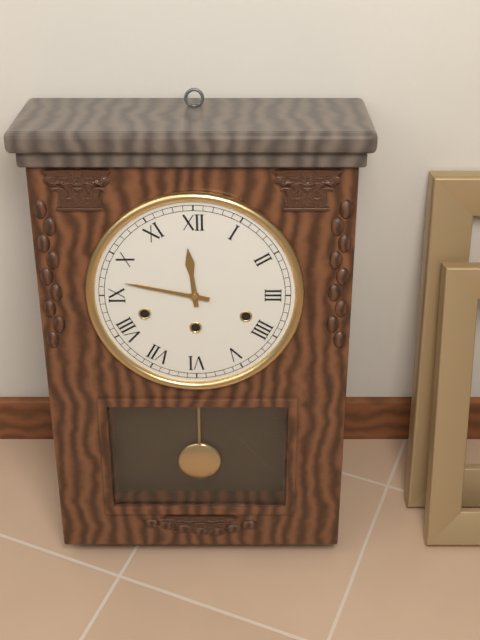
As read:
11,47
